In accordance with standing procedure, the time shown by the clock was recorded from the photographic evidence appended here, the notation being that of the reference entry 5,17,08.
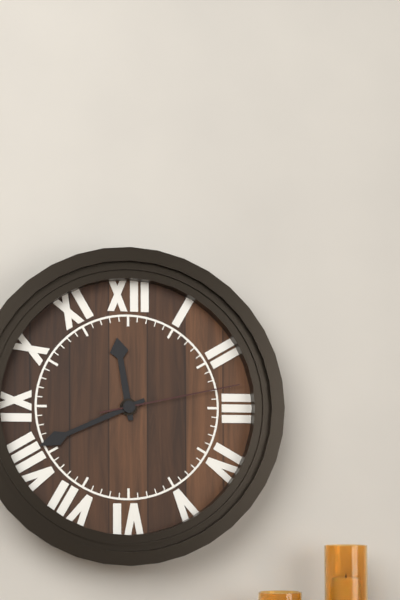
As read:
11,41,13
